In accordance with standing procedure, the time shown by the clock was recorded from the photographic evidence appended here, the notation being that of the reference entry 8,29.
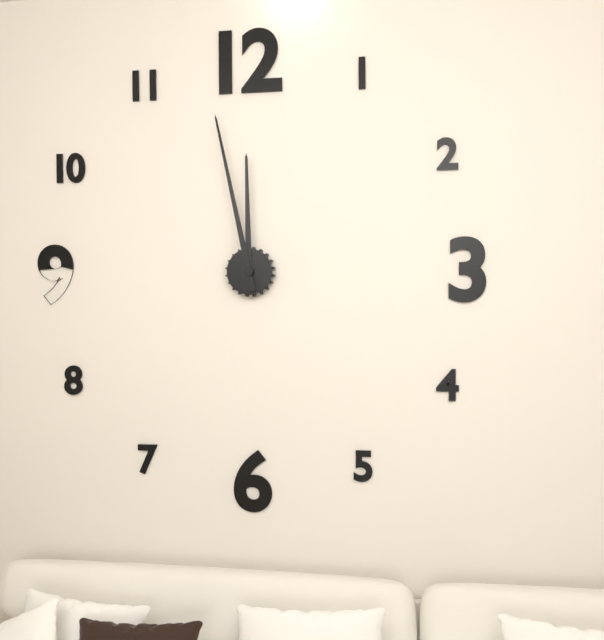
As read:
11,58
